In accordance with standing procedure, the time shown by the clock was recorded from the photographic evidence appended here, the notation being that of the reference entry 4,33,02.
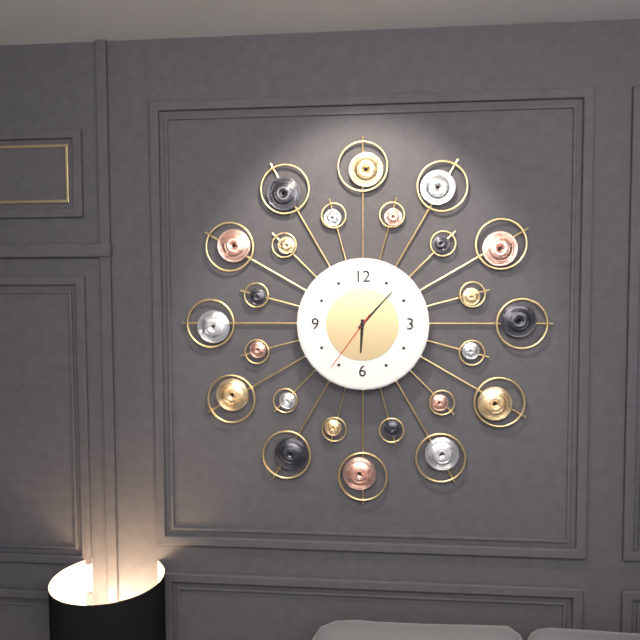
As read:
6,07,36
